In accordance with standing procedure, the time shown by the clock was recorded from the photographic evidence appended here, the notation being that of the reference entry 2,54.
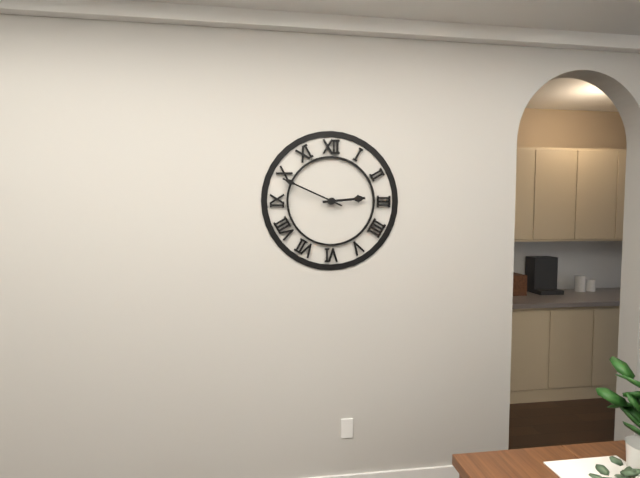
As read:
2,49
